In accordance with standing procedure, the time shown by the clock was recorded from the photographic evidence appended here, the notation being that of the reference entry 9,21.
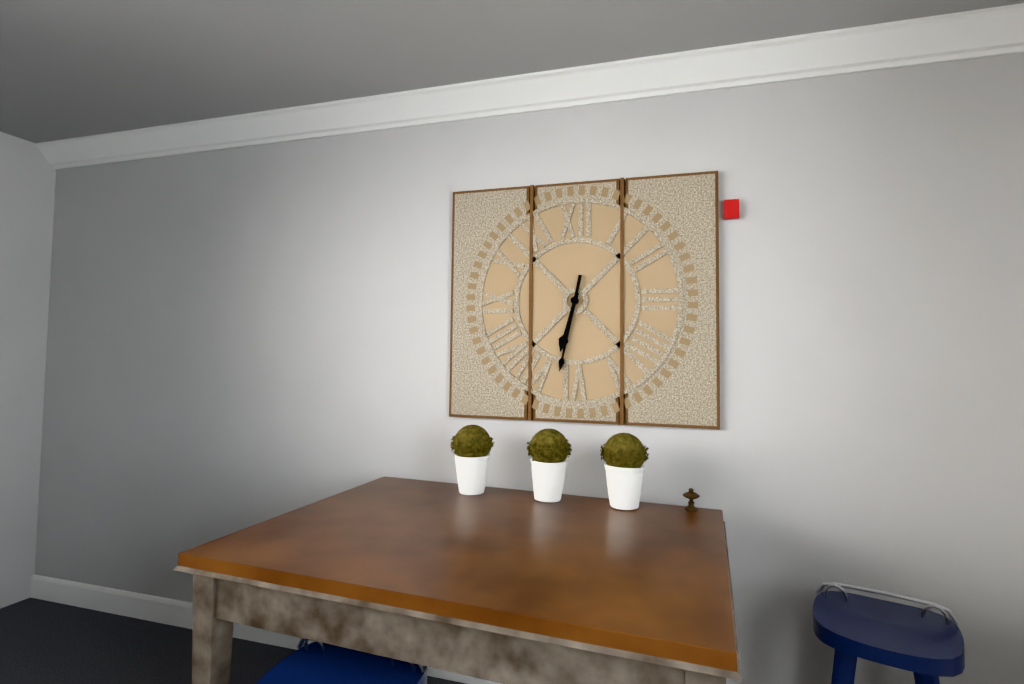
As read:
6,32
